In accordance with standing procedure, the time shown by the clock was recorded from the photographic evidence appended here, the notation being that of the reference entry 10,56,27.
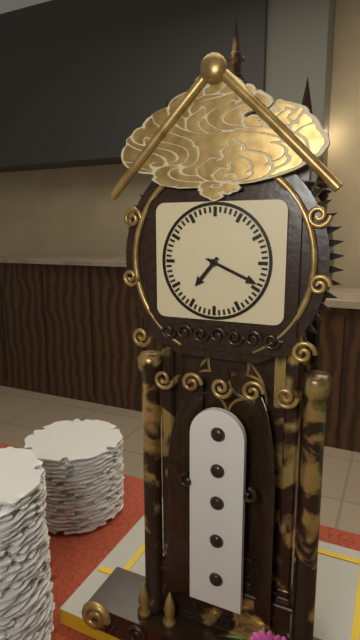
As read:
7,19,19
